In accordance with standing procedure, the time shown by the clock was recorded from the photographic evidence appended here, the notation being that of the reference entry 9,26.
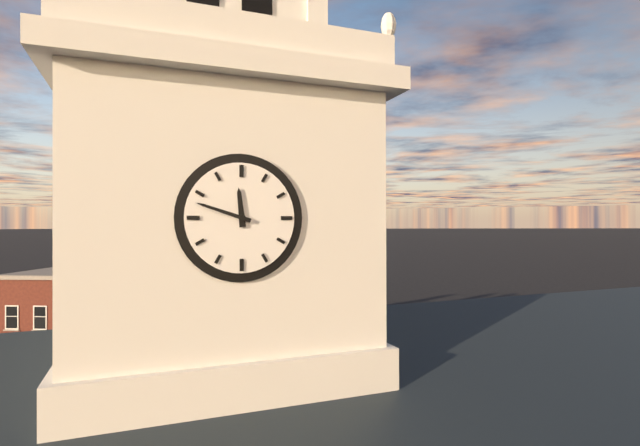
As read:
11,48
